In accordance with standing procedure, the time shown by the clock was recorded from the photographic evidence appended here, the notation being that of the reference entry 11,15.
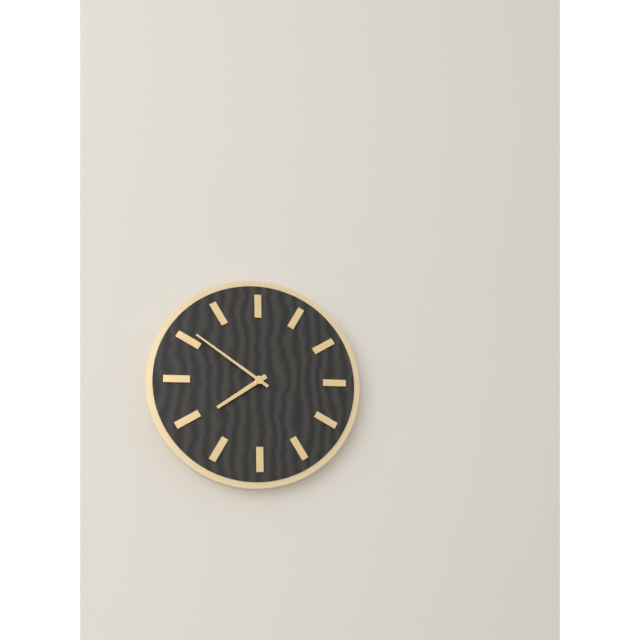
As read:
7,51
